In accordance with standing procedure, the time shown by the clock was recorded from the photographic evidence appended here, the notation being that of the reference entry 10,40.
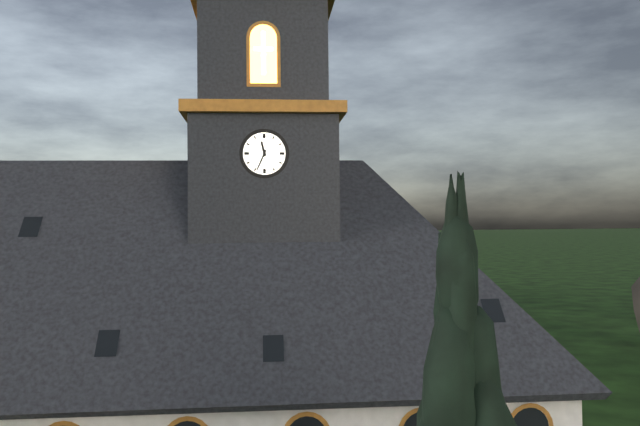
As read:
11,34
